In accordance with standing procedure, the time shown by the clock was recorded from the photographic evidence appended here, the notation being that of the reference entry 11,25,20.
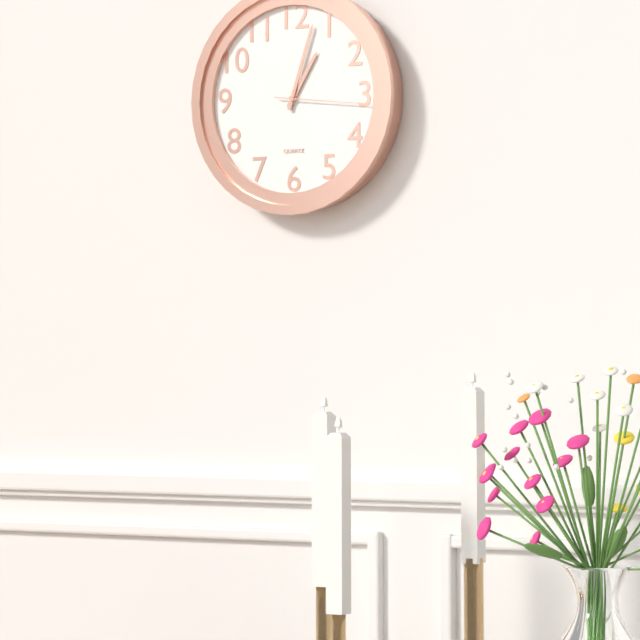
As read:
1,03,16
